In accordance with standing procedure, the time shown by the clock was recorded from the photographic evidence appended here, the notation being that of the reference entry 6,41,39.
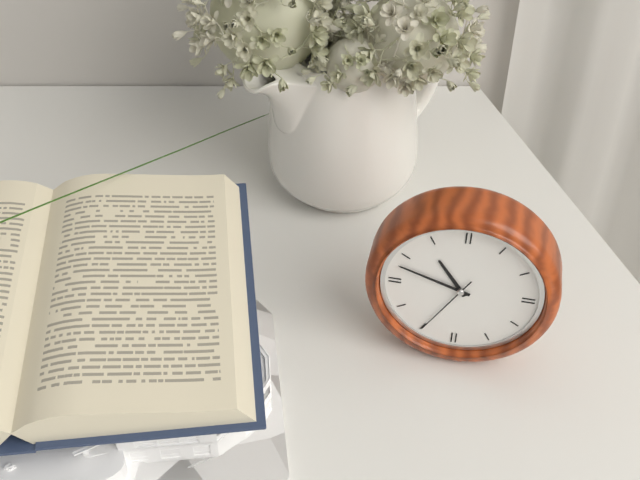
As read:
10,48,35
